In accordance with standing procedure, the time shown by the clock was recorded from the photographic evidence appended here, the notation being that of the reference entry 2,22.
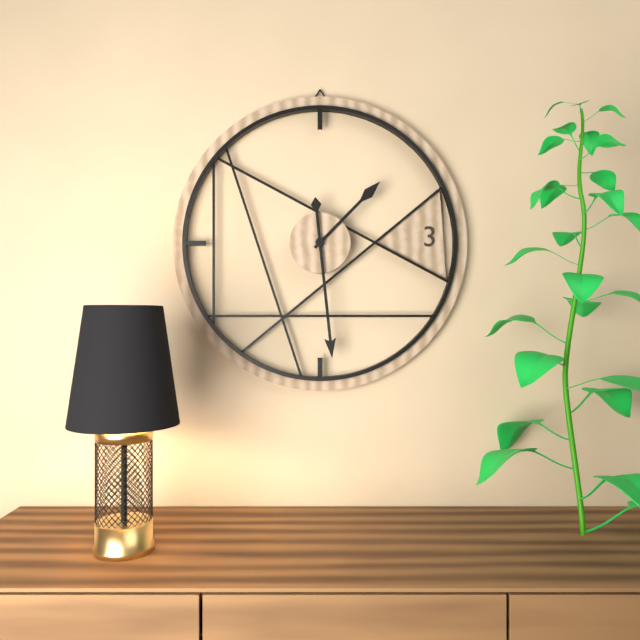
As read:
1,29
